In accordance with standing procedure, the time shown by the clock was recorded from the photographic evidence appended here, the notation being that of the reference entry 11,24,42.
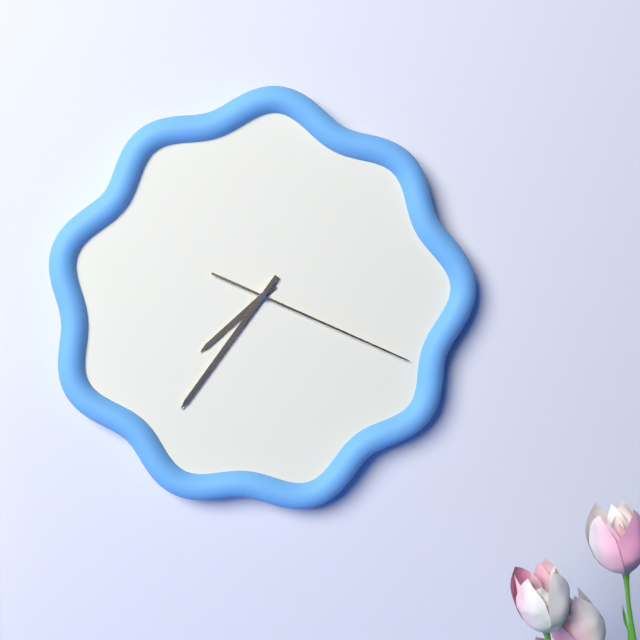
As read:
7,36,19
